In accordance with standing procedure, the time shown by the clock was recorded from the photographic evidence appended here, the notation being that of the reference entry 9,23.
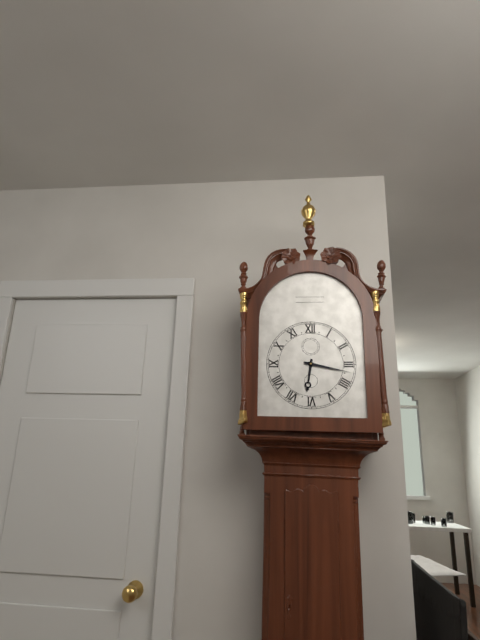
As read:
6,17
